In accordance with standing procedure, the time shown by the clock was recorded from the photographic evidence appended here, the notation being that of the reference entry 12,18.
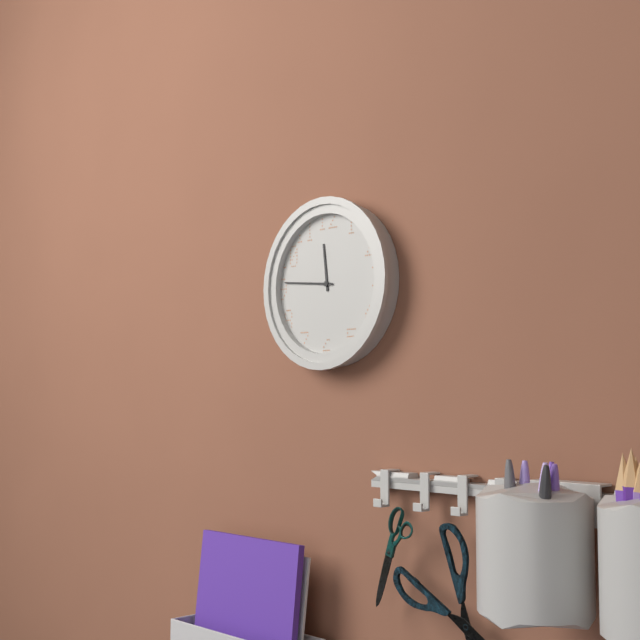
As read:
11,46
